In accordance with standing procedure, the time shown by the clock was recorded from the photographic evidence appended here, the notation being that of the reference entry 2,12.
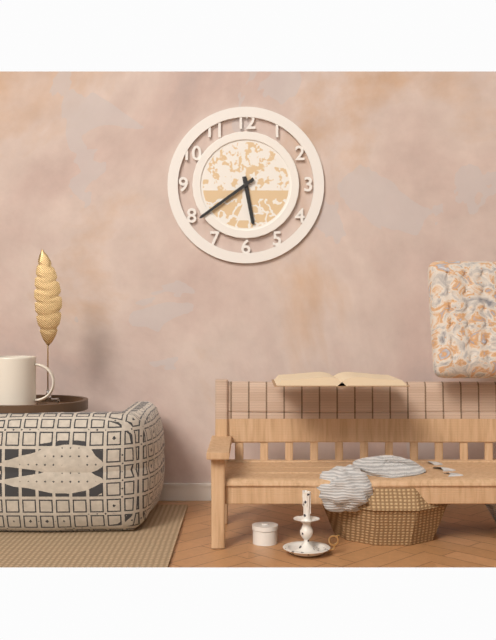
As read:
5,39
